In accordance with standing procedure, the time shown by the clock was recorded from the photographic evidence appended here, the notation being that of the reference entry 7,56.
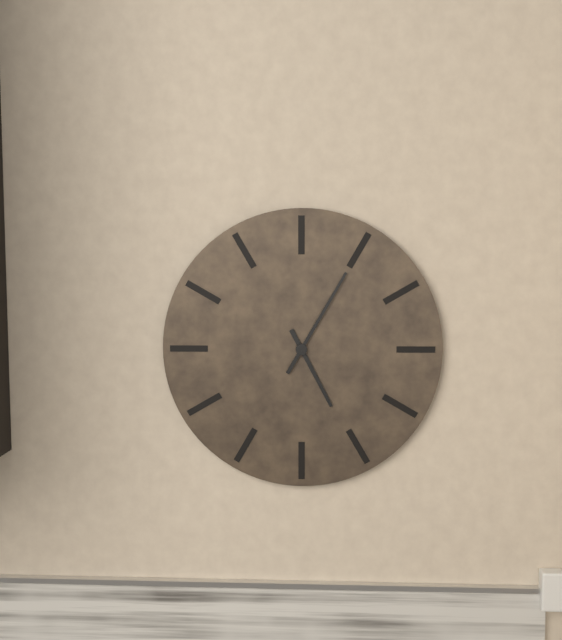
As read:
5,05
